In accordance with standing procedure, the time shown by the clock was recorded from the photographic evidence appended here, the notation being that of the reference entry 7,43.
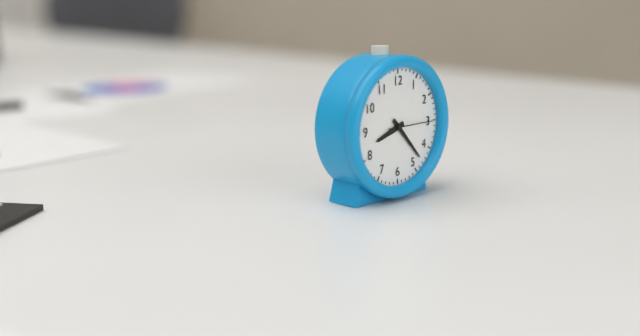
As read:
8,23
